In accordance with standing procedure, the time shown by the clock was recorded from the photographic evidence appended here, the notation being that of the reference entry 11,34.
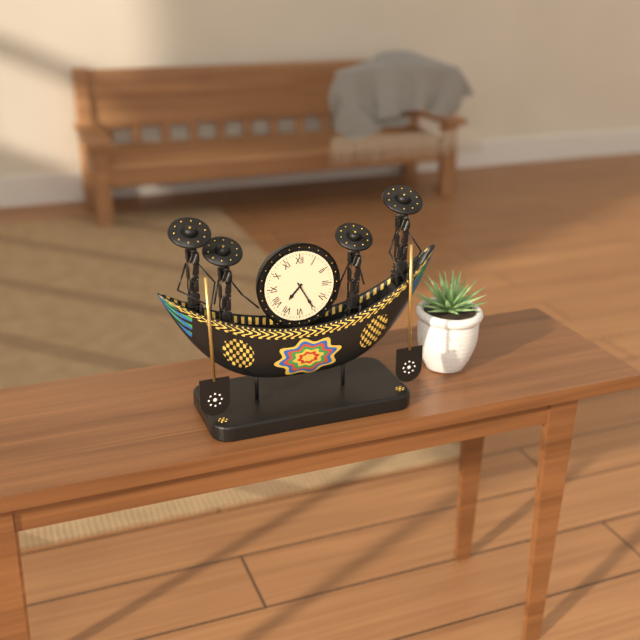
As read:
7,25
